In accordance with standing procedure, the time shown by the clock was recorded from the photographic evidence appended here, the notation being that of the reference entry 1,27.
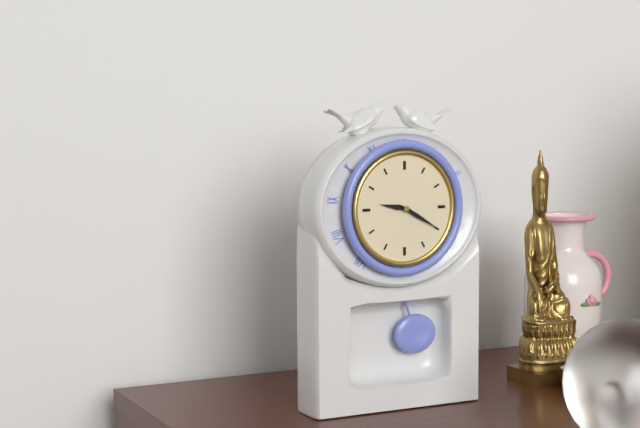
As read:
9,20
